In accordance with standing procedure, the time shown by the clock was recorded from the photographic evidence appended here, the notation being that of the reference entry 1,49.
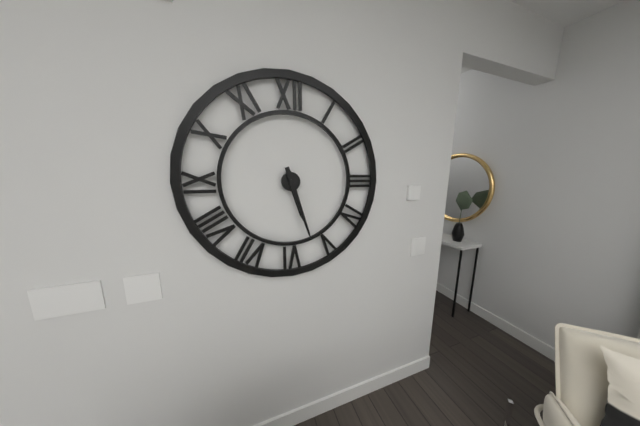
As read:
5,27
